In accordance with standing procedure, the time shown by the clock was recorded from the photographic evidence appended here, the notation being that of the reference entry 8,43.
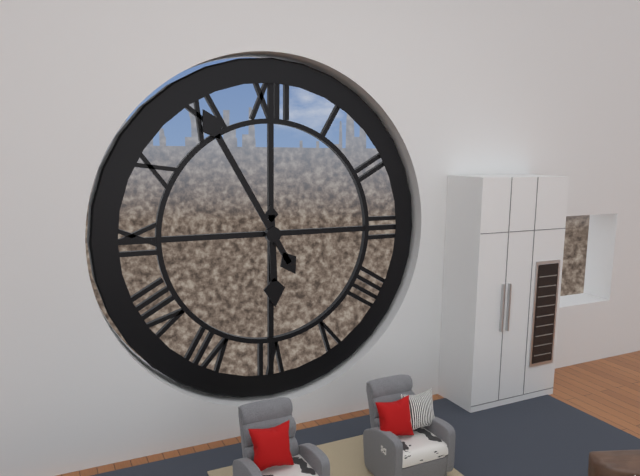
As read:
5,55
